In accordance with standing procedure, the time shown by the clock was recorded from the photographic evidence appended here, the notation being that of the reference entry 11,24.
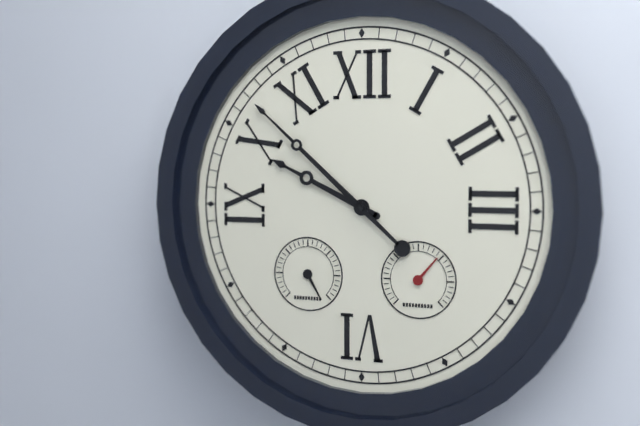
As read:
9,52
